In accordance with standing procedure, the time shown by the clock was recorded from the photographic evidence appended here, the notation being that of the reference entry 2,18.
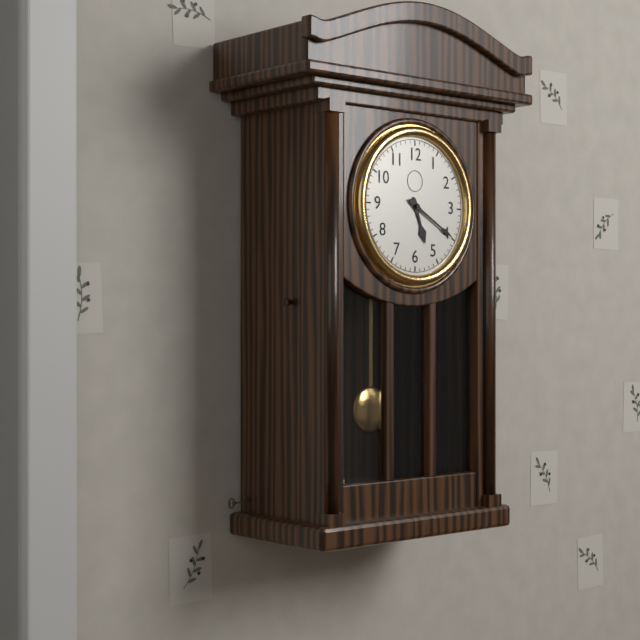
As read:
5,20
